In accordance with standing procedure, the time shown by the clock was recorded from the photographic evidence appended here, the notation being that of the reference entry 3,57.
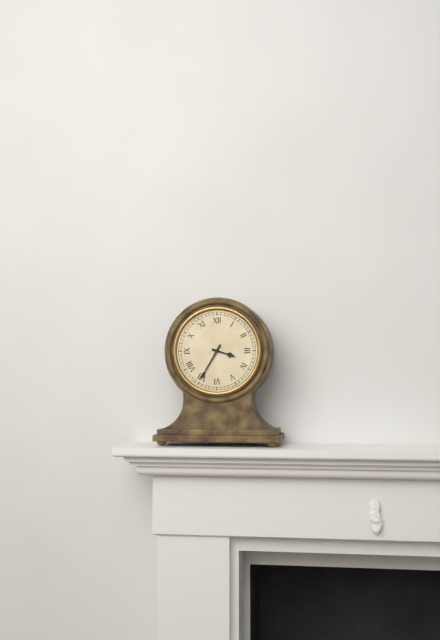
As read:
3,35
